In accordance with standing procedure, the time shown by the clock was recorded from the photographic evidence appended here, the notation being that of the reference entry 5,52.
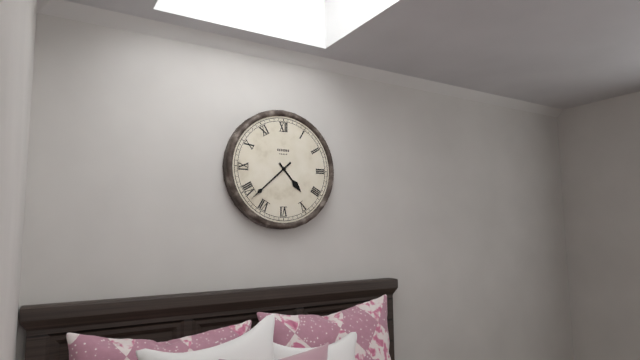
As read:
4,38
